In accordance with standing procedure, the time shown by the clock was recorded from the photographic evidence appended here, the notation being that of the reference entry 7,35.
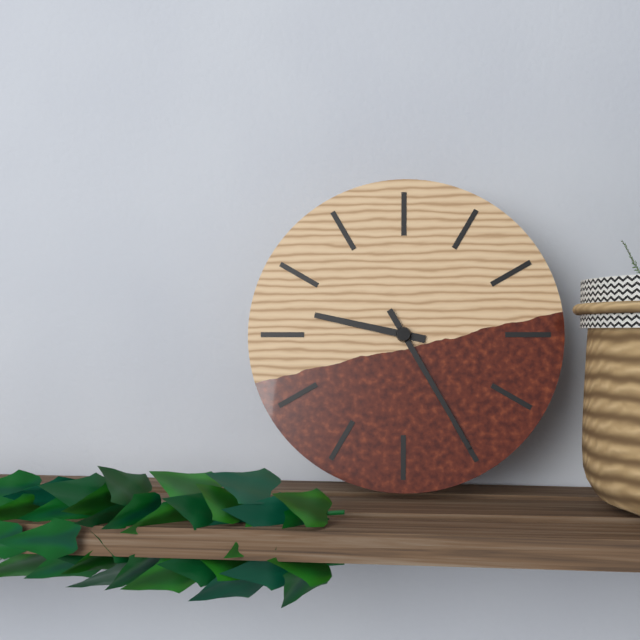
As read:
9,25
